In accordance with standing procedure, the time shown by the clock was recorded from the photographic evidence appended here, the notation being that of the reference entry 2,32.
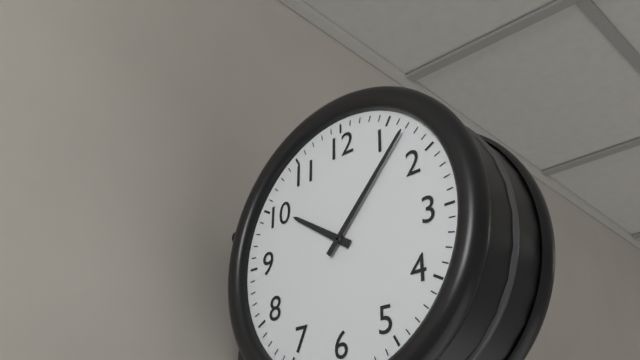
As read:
10,07
